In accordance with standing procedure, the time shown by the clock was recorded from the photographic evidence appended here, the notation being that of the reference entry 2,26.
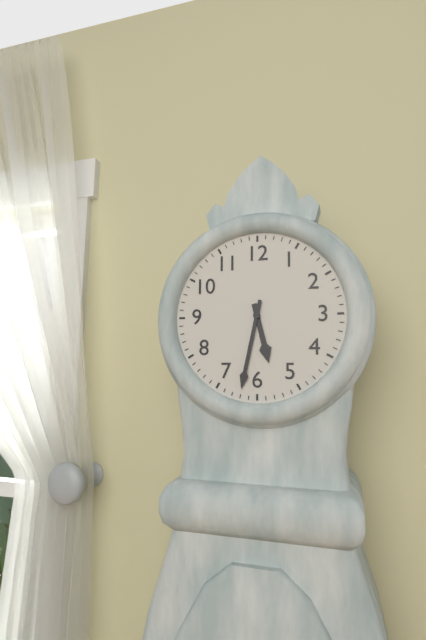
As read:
5,32
